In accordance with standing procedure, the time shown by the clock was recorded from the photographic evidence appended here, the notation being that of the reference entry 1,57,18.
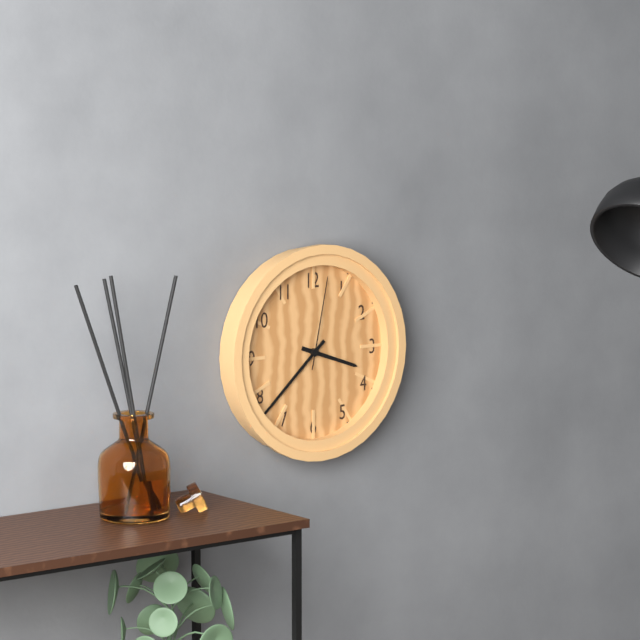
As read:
3,38,02
